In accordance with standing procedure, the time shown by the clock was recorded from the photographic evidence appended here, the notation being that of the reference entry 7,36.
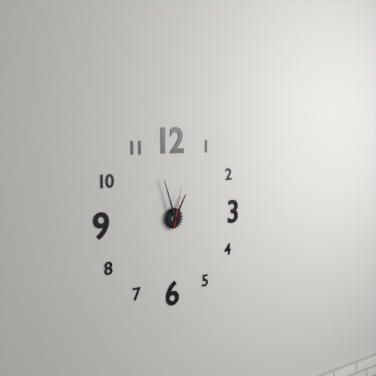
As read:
12,57
